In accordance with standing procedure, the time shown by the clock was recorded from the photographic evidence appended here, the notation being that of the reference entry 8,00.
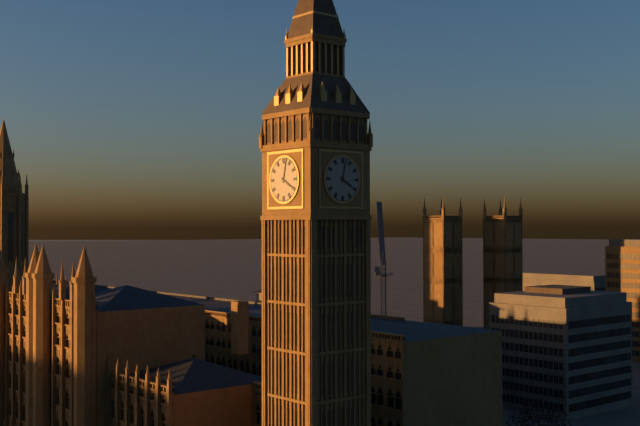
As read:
4,02
